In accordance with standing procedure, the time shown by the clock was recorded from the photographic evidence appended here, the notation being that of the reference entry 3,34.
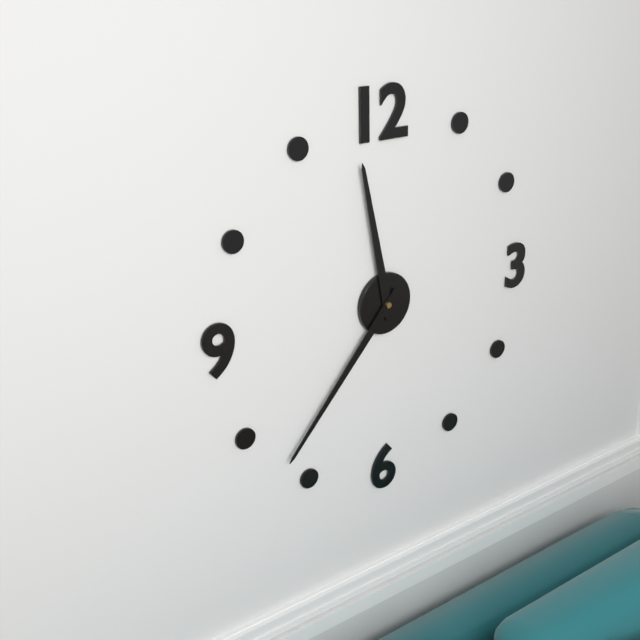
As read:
11,37
